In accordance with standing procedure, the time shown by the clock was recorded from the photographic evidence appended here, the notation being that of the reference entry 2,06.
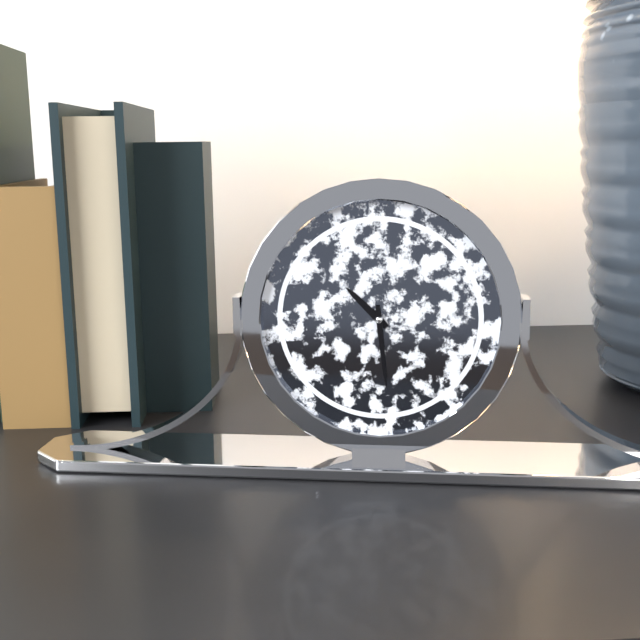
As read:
10,29
